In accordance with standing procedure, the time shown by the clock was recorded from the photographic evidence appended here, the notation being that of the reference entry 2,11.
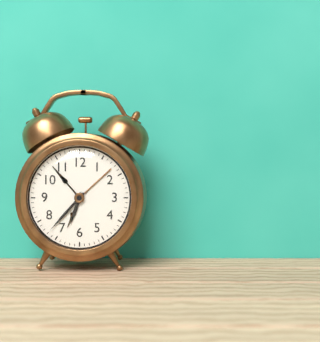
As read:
6,37
